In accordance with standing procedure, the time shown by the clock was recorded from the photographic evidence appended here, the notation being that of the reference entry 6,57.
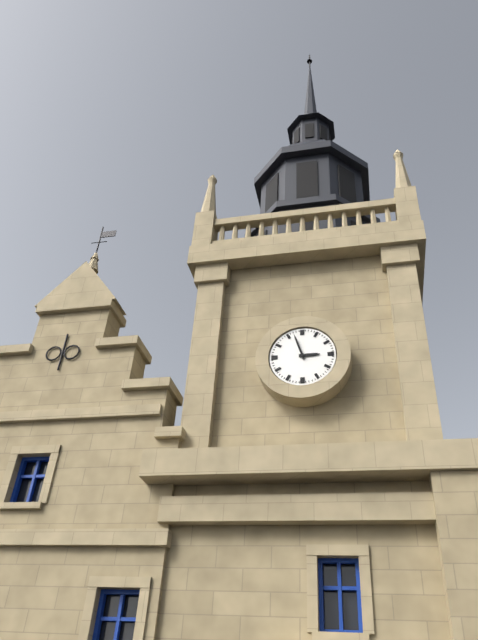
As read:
2,57
